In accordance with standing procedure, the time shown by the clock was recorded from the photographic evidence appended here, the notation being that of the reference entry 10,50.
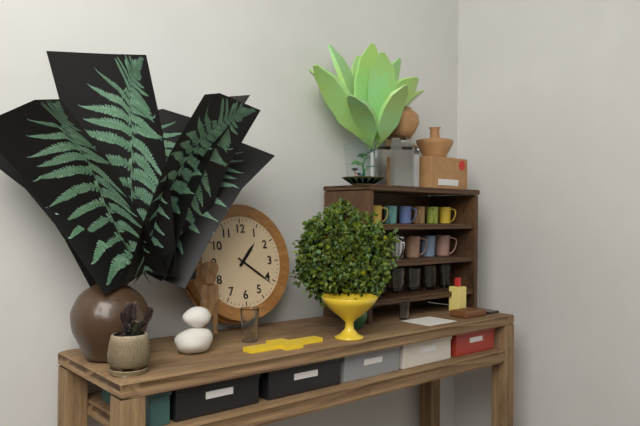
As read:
1,21
